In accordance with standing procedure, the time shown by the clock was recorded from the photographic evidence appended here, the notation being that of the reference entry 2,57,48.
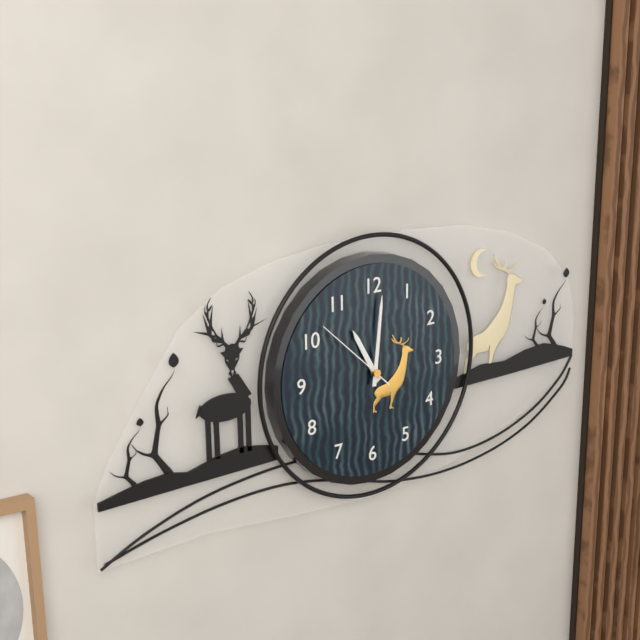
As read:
11,01,52
